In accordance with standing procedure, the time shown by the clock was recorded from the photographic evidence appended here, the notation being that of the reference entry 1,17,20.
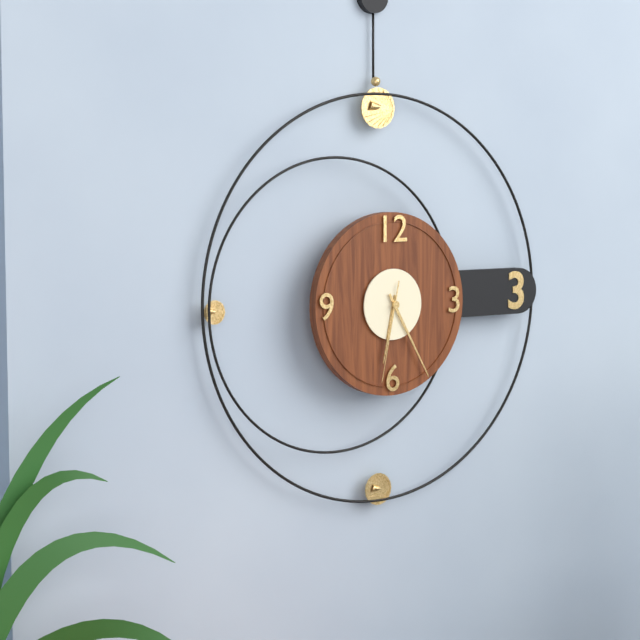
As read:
6,25,32
